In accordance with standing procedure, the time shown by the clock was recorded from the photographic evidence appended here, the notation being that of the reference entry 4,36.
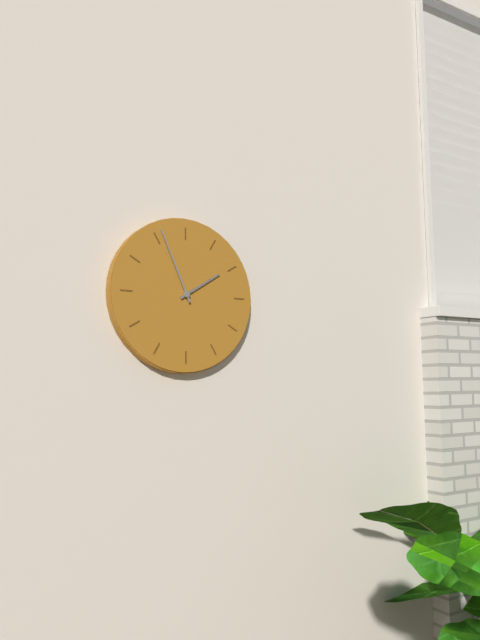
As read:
1,56
